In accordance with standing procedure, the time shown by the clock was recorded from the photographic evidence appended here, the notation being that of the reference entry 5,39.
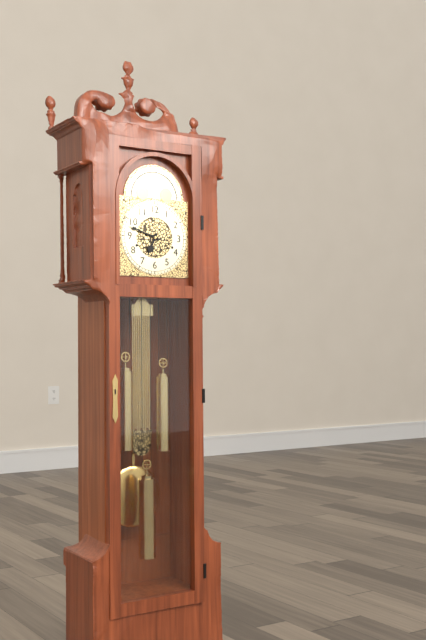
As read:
6,48
